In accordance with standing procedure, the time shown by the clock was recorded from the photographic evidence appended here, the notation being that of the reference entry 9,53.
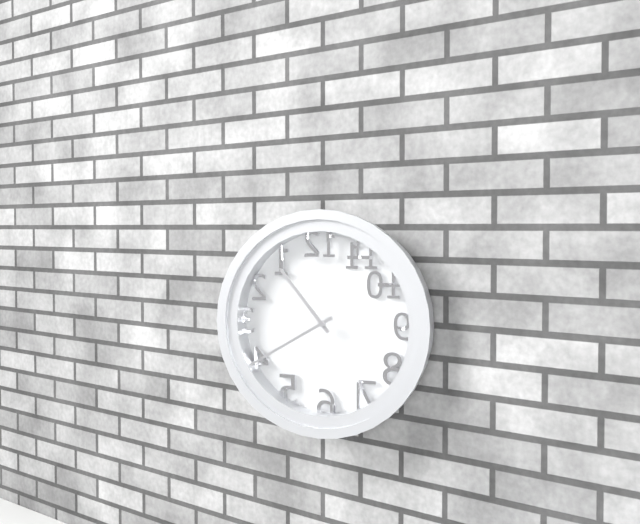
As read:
10,40
